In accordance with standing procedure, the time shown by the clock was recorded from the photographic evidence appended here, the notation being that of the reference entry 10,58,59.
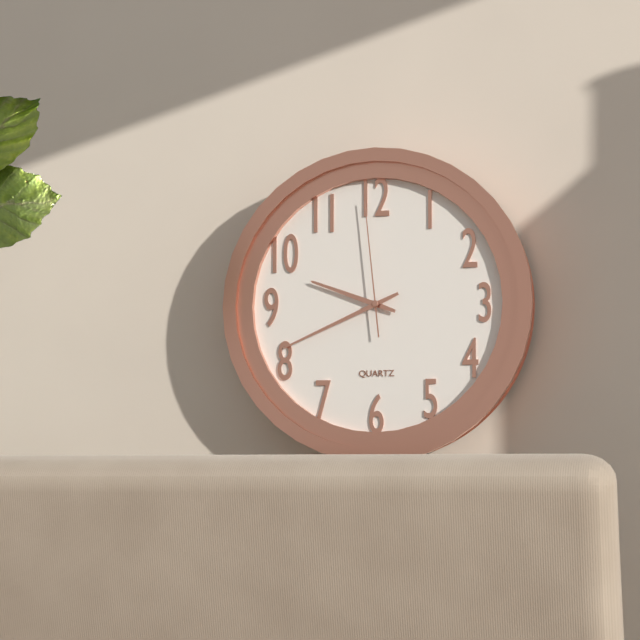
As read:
9,41,59
